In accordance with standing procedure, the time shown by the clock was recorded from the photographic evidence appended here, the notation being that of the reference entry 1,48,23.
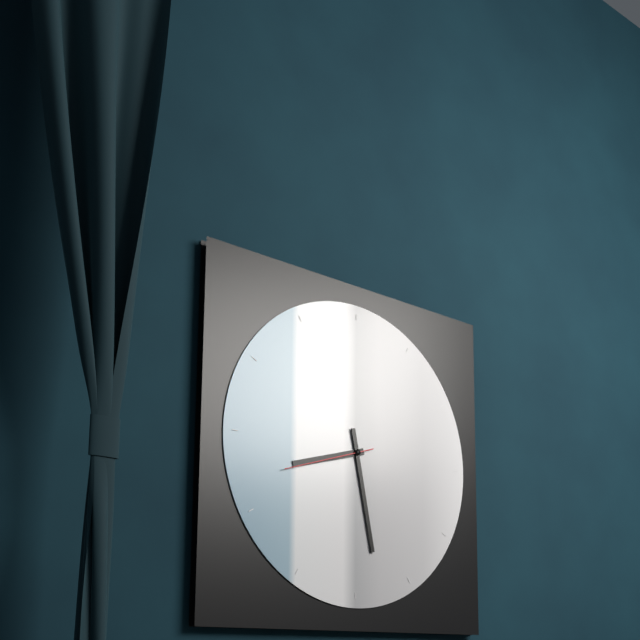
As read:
8,28,42
